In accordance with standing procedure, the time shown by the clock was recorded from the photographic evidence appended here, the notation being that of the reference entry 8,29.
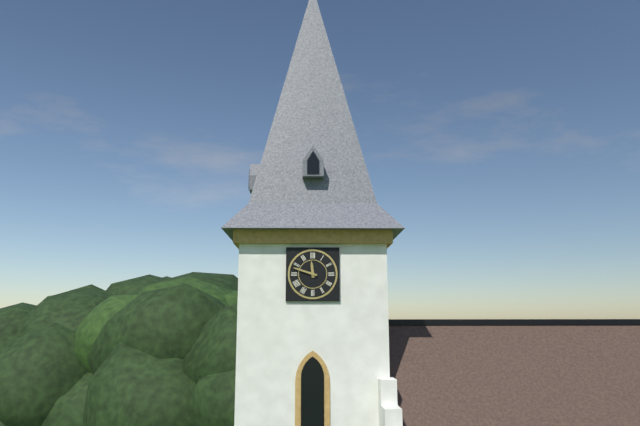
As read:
11,48
